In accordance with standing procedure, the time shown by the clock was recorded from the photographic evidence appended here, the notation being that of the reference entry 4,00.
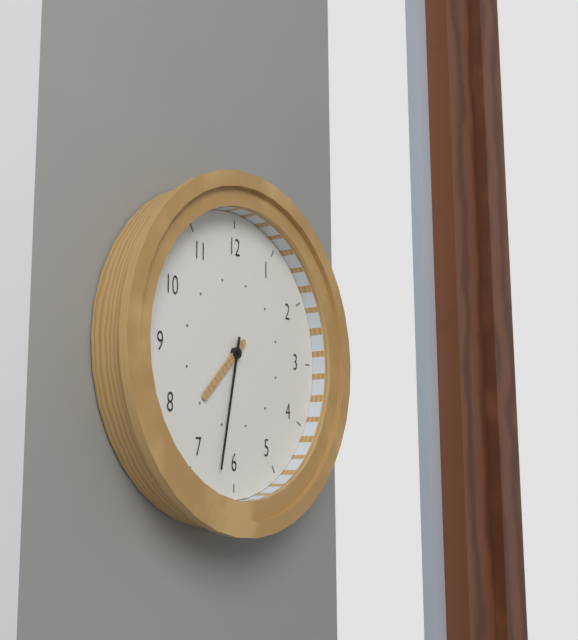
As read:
7,32
